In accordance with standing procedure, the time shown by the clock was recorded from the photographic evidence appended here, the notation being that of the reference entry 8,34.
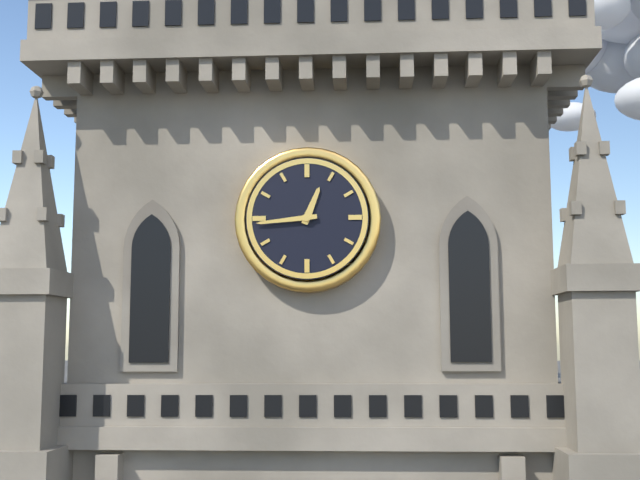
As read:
12,44
